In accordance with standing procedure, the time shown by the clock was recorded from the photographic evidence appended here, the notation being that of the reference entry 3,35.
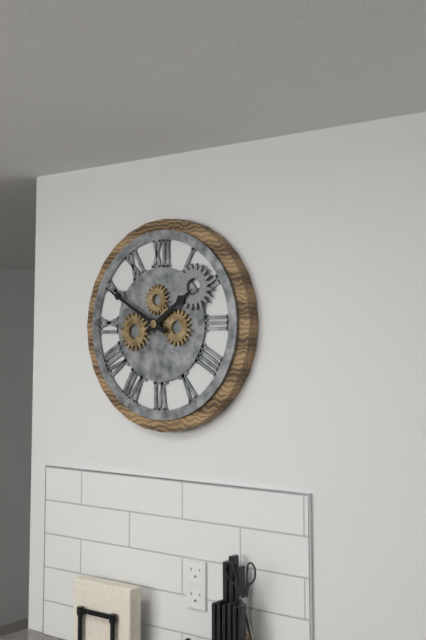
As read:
1,50
